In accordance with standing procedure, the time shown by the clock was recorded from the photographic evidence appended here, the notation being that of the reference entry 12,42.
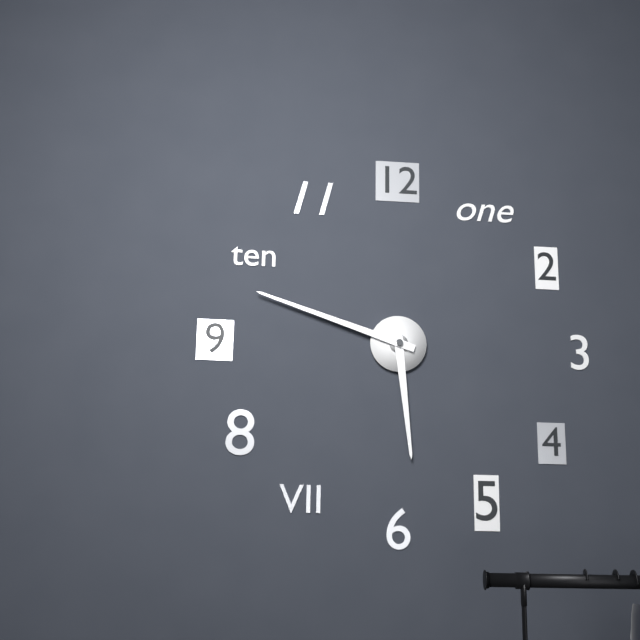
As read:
5,48
